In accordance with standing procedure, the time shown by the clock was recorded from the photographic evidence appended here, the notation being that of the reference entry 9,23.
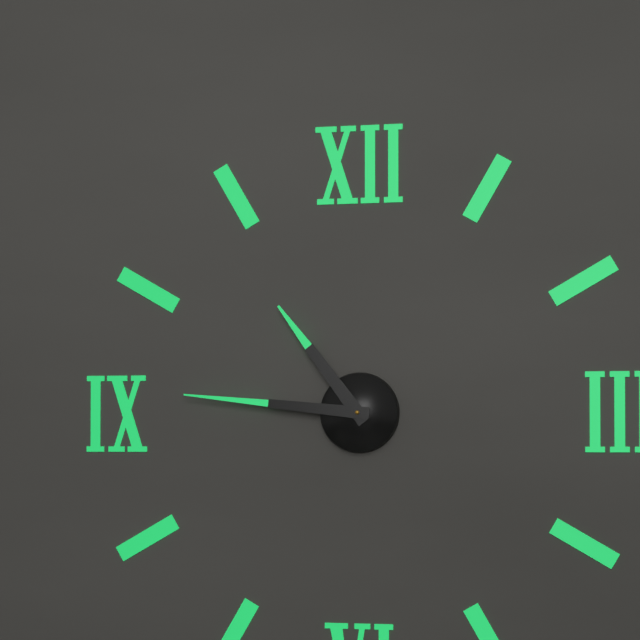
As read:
10,46
